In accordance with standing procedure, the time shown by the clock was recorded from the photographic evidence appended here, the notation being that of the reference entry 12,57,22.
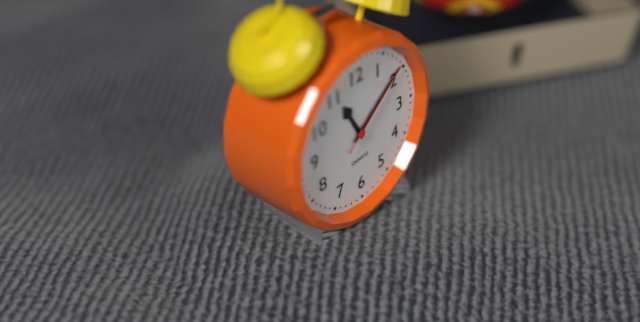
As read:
11,09,09
